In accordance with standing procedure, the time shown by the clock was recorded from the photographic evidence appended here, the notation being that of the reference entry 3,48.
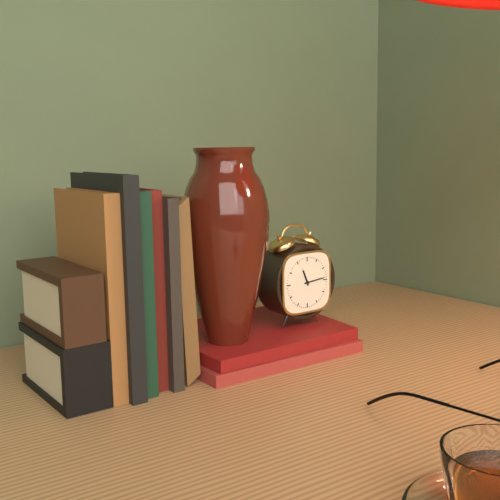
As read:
11,14
